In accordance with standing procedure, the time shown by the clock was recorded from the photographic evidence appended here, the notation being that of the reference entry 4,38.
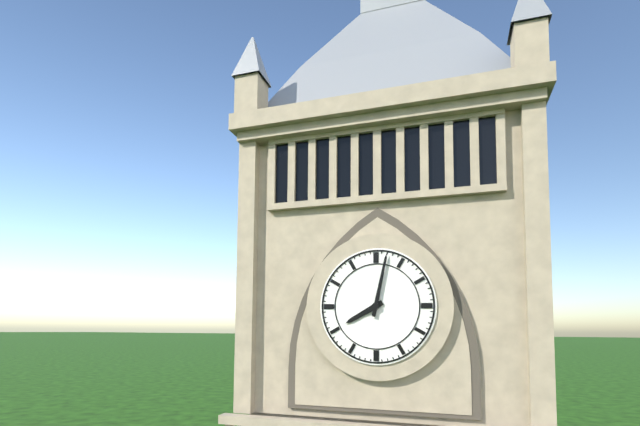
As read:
8,02
